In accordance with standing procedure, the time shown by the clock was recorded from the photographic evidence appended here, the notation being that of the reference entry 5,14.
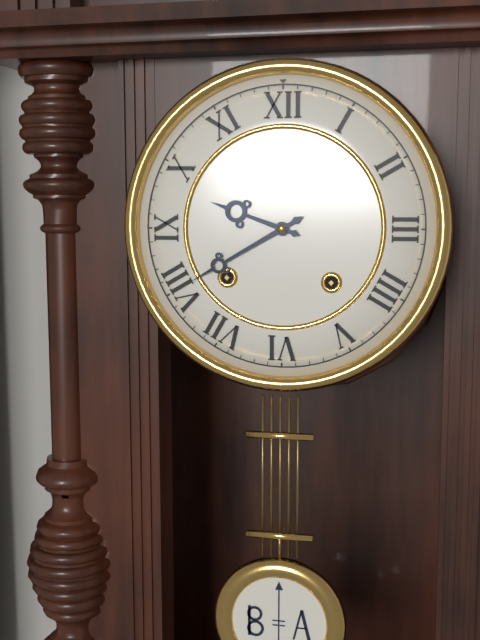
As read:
9,40
